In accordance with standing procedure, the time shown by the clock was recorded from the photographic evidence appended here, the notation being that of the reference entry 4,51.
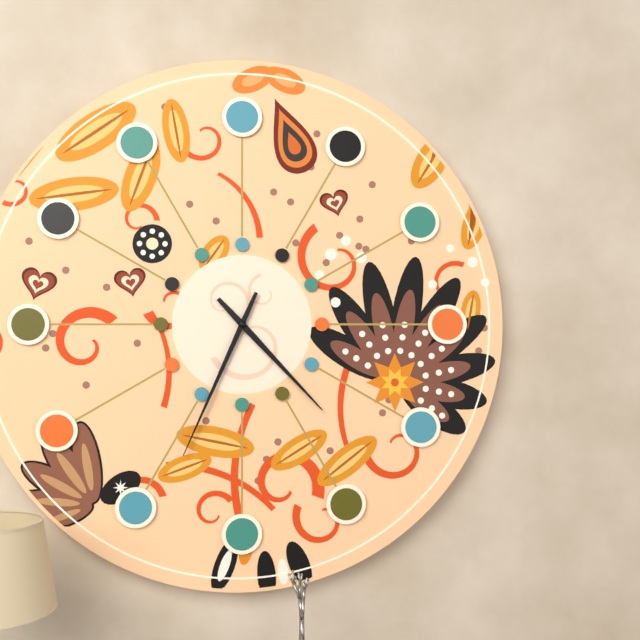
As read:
4,34
